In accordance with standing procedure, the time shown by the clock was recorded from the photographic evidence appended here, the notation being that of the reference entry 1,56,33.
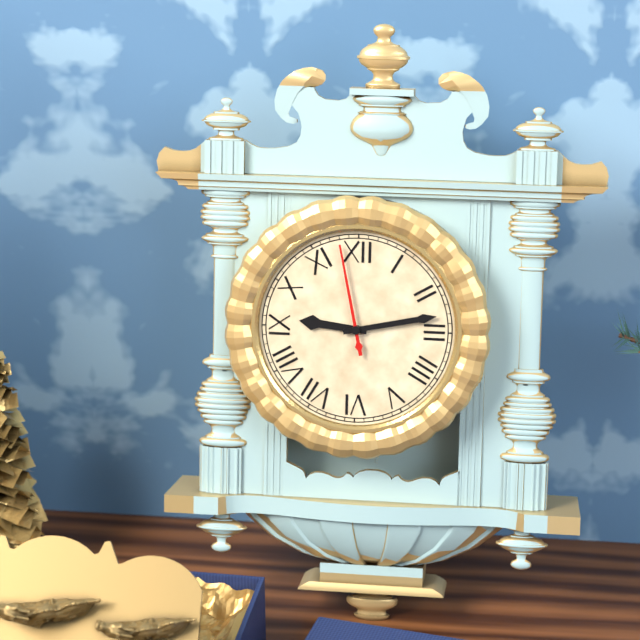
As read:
9,13,58
